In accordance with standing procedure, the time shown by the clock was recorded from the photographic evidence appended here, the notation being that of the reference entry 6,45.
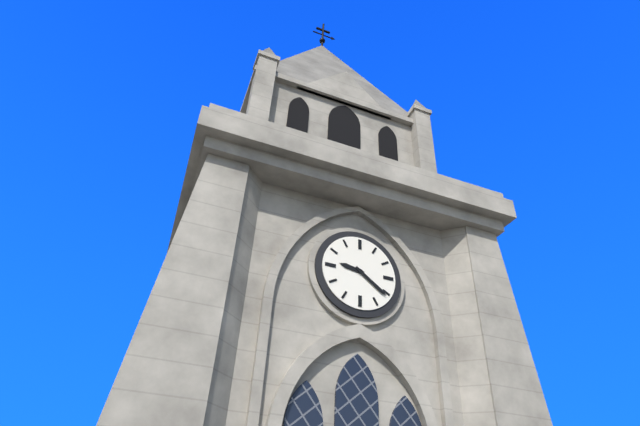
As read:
9,21
